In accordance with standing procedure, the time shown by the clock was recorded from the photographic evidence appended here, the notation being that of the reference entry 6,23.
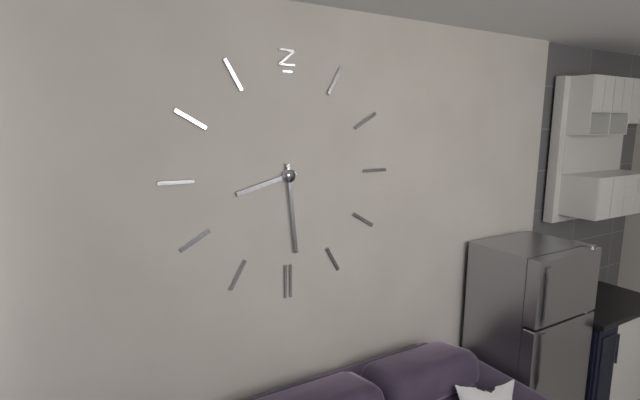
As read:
8,29
